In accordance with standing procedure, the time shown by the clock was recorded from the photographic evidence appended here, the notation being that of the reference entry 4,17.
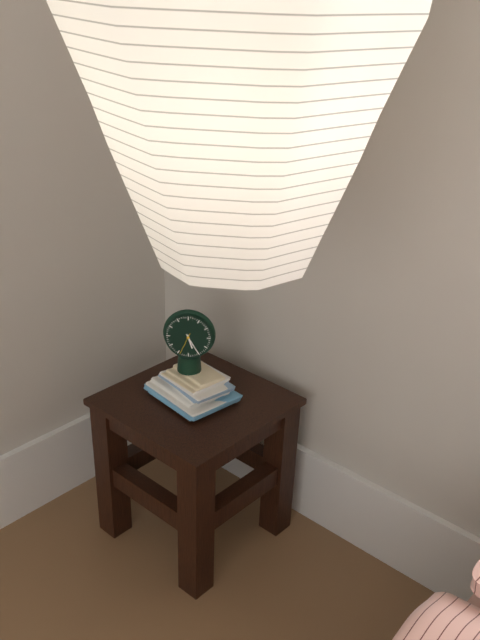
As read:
5,25
